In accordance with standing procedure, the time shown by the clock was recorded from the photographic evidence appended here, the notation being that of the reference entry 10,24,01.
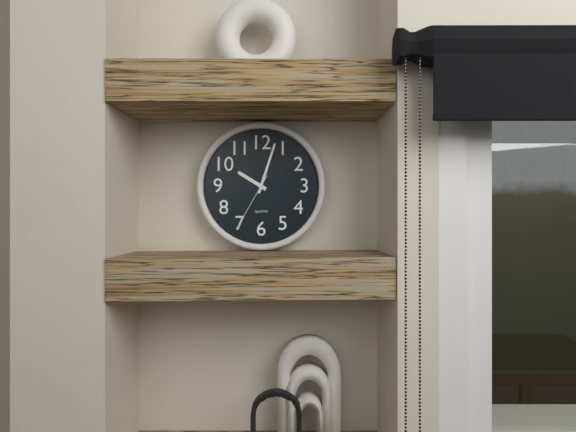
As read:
10,03,35
